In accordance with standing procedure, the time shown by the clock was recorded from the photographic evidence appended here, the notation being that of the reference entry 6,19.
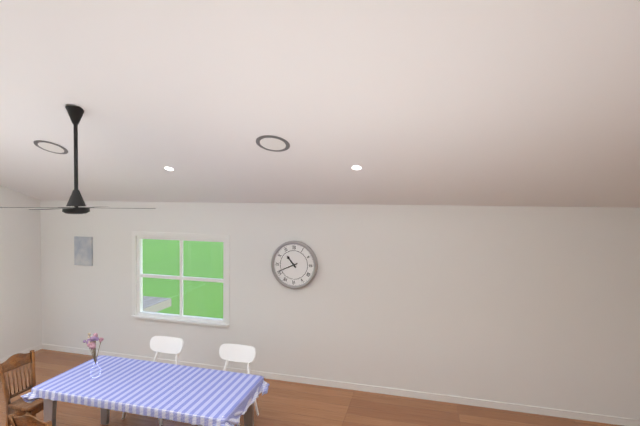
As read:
10,41
